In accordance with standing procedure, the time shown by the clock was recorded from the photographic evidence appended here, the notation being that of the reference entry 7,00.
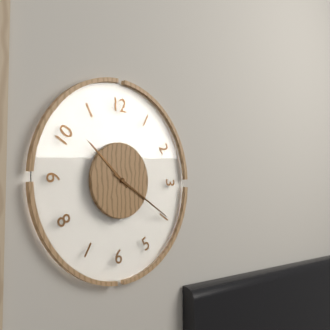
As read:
10,20
